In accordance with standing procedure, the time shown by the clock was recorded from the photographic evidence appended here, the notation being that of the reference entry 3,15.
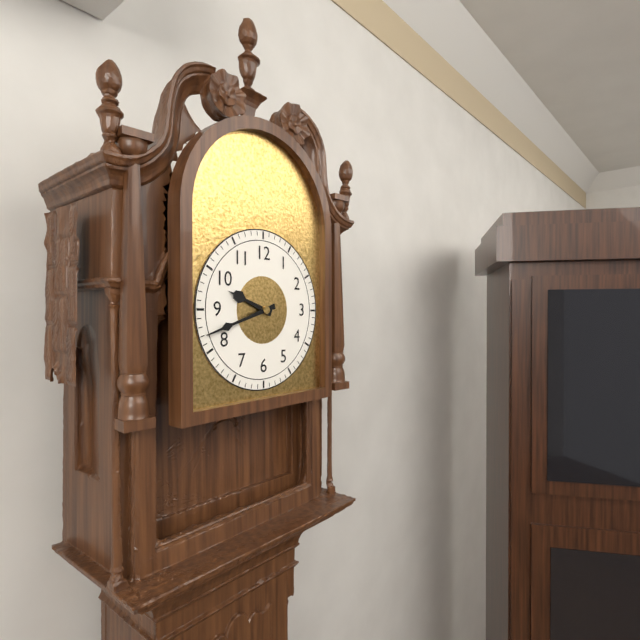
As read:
9,42
